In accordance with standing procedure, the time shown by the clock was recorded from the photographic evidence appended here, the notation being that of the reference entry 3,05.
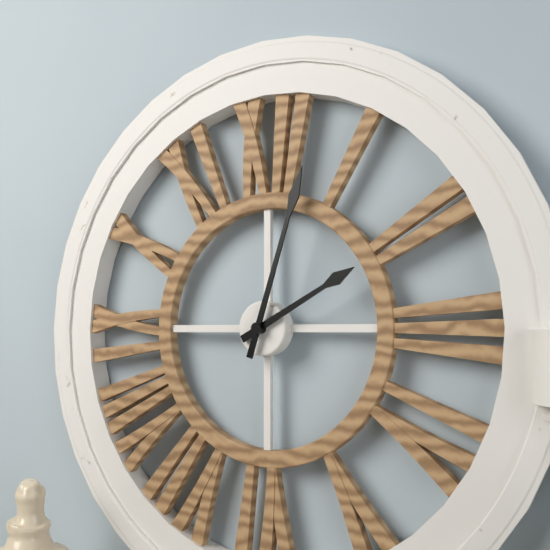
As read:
2,03
